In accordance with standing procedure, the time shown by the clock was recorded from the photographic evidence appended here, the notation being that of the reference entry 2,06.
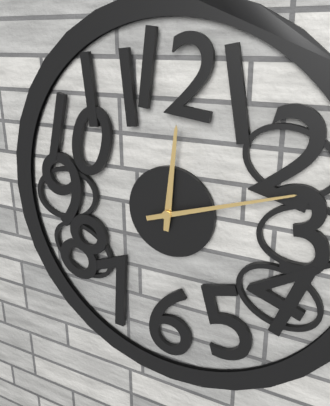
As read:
12,12
